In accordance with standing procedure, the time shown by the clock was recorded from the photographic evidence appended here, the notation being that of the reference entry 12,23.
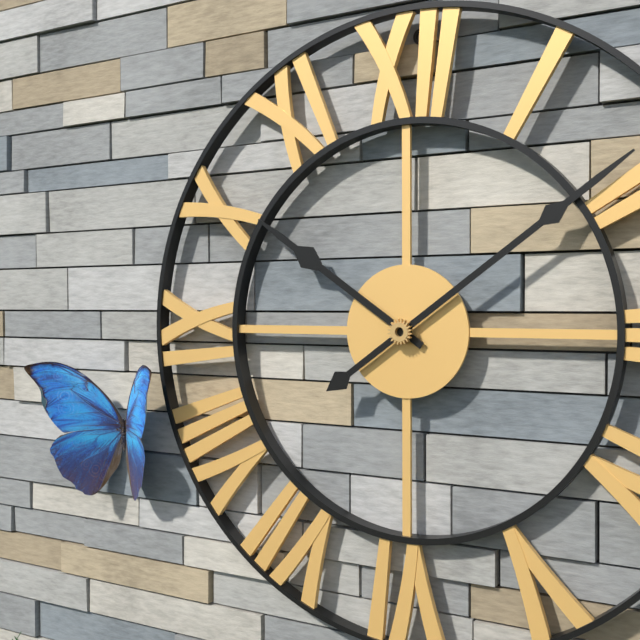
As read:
10,09
